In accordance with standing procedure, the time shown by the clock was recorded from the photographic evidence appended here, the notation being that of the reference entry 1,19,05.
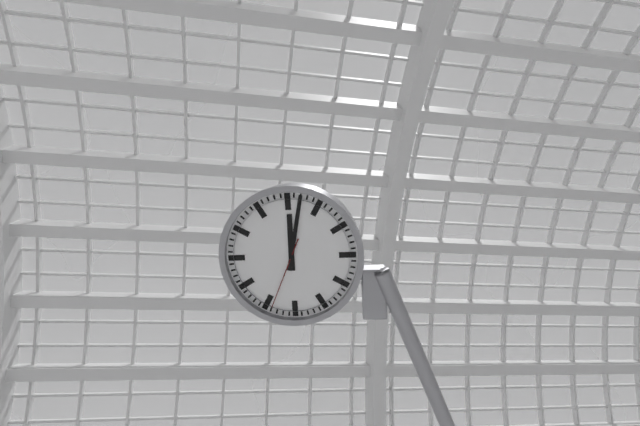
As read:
12,02,34
